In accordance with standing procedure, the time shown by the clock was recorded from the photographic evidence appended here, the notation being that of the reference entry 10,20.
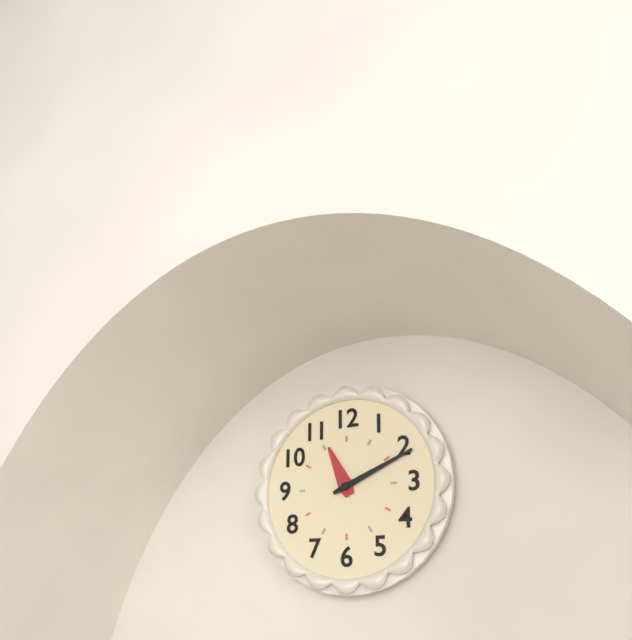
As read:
11,11
